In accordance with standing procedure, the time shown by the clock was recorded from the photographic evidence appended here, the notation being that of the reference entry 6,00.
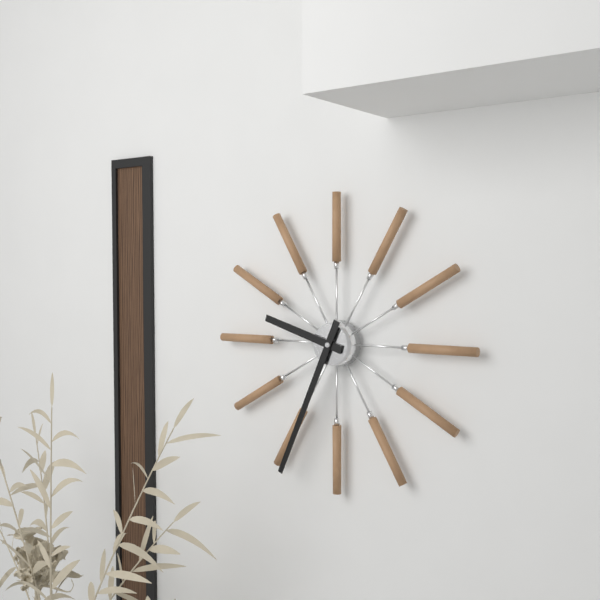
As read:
9,34
